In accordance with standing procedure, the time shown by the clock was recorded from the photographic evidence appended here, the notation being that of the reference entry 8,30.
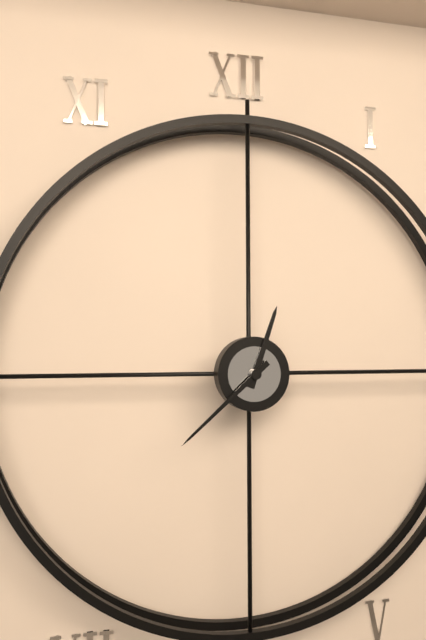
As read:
12,38
